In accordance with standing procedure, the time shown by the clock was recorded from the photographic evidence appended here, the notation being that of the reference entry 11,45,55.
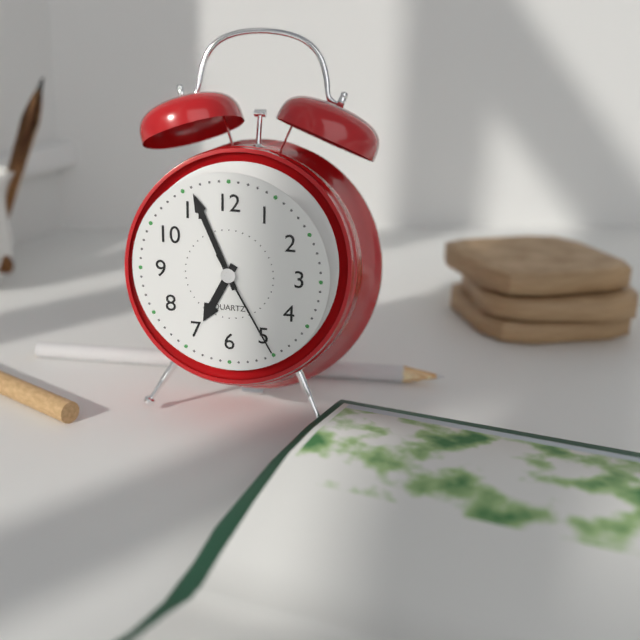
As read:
6,56,25
